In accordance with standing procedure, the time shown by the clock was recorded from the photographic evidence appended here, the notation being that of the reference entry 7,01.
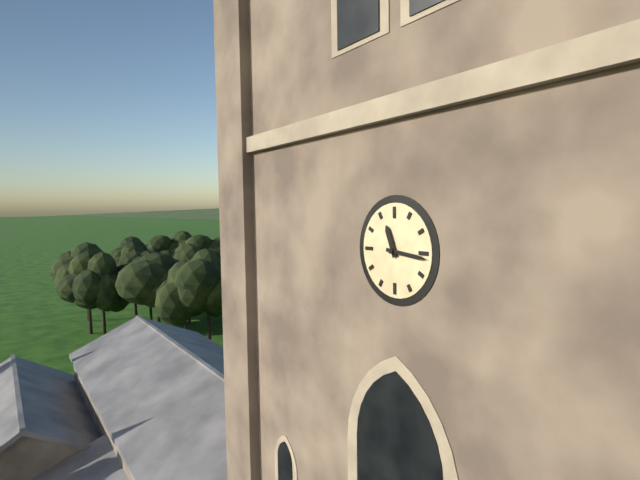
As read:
11,16
